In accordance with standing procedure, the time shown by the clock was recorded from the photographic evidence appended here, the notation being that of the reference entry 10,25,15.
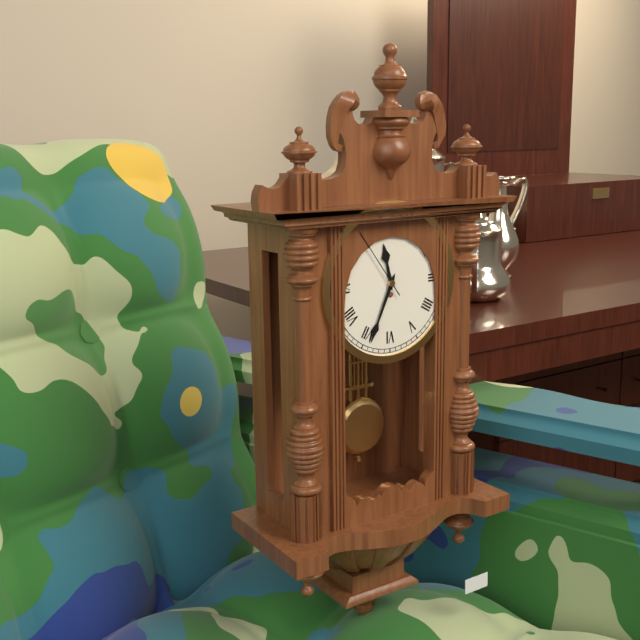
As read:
11,34,54
